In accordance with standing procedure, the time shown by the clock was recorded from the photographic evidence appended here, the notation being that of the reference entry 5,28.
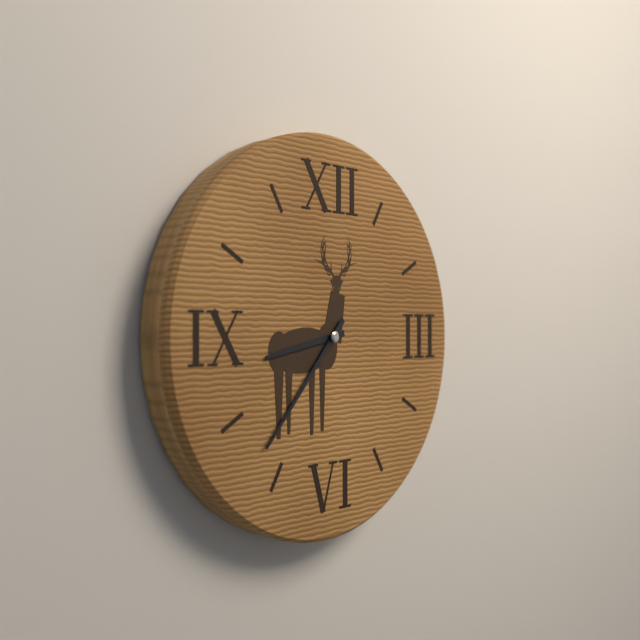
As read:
8,37
